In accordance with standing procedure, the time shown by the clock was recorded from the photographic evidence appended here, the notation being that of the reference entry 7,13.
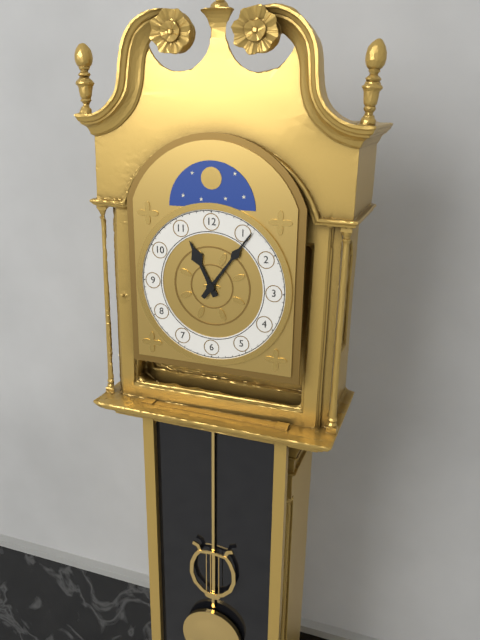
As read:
11,06
